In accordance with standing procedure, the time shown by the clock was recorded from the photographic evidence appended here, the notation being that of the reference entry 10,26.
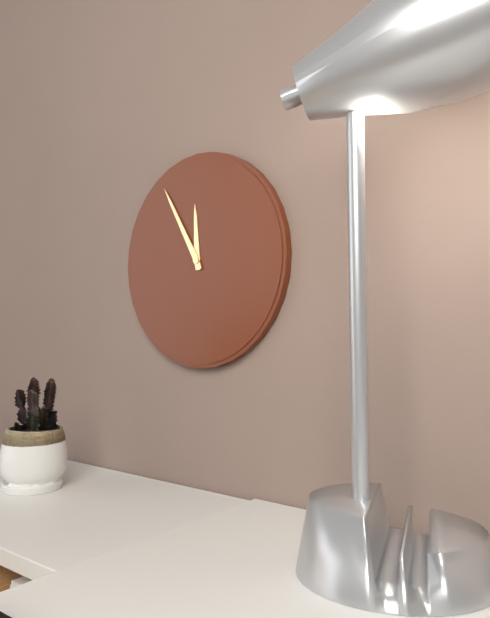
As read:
11,55
